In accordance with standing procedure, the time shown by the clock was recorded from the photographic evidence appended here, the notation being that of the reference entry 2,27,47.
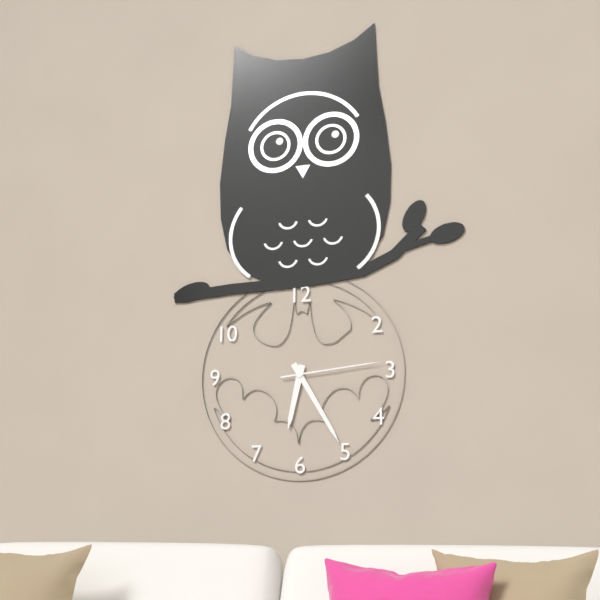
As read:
6,25,14
